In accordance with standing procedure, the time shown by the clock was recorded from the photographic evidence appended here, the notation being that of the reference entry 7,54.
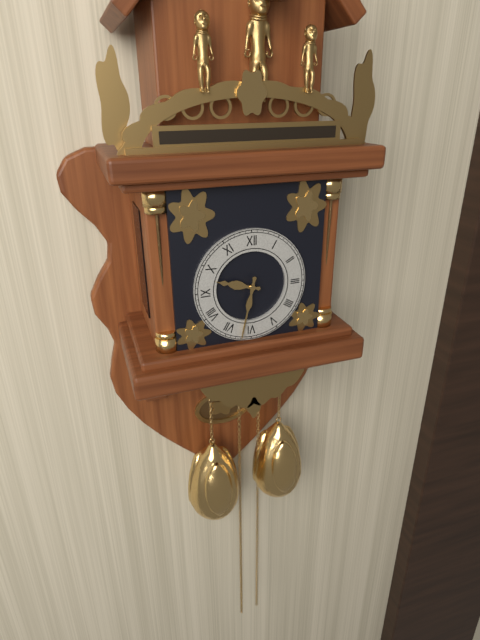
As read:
9,32
